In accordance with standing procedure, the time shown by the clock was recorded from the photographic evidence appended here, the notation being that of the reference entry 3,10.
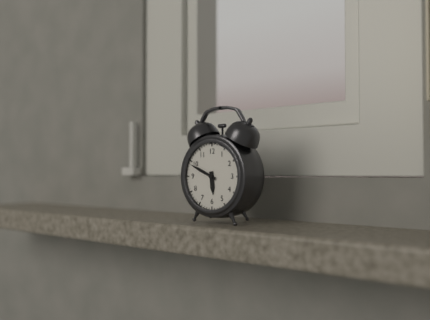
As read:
5,49
